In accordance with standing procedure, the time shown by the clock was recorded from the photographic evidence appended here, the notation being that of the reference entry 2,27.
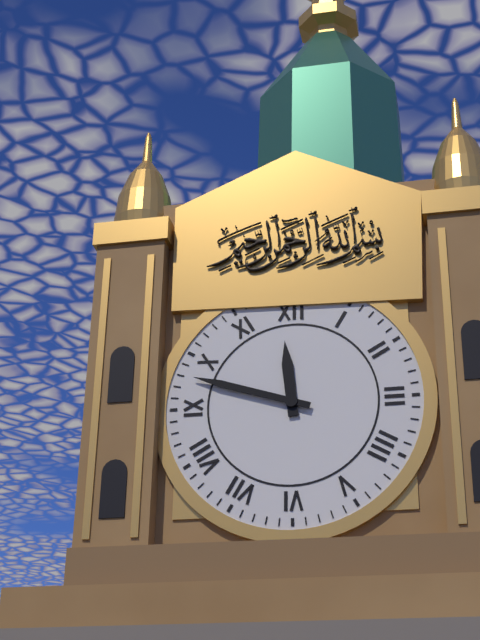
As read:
11,48
